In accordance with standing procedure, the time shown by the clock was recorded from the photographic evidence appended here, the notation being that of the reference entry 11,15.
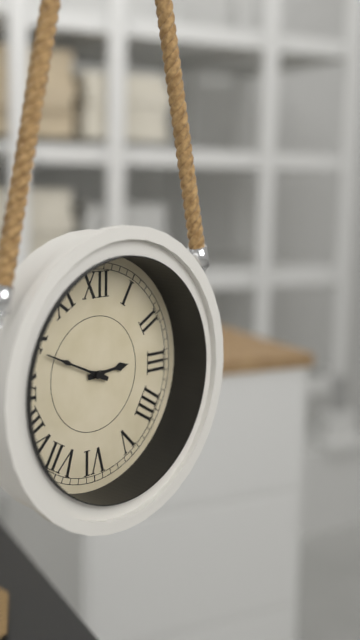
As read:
2,49
